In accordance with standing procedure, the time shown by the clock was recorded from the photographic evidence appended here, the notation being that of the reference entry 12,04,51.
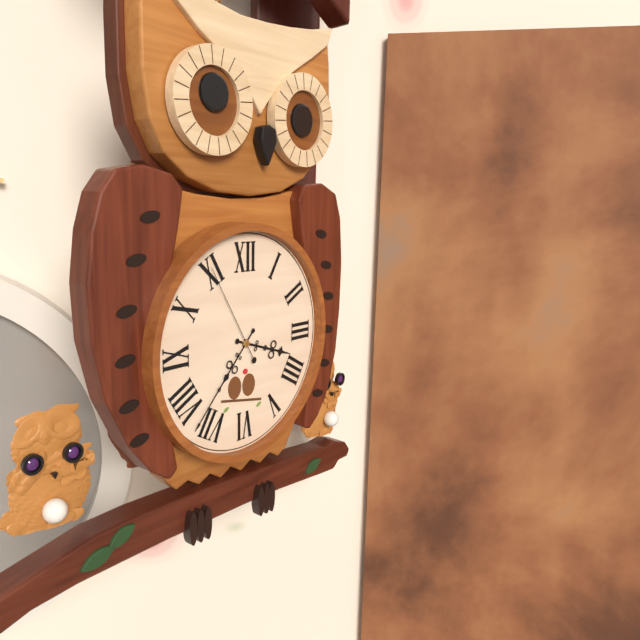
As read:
3,37,55
